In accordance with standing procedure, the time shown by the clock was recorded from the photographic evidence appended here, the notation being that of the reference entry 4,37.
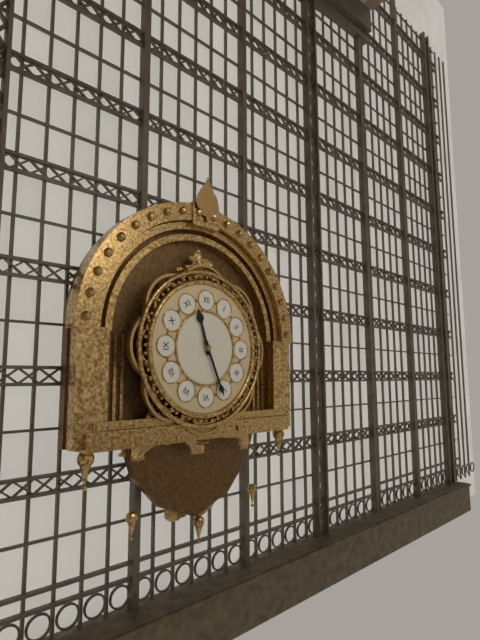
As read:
11,26
